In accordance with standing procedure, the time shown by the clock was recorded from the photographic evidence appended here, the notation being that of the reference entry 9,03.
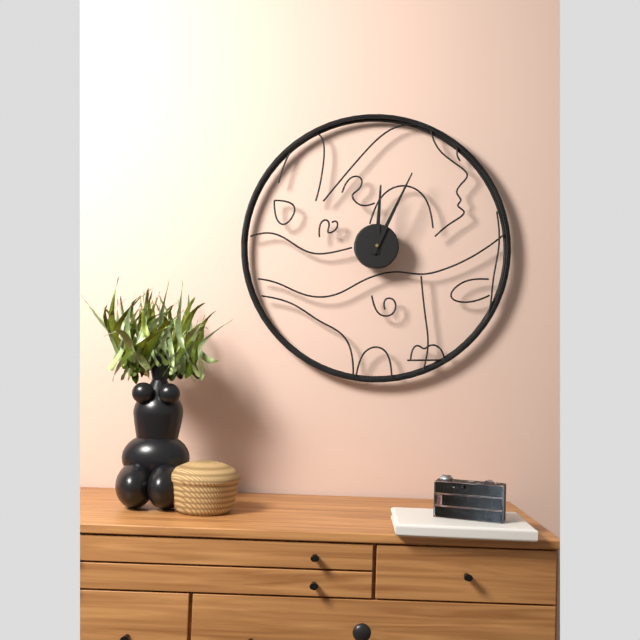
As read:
12,04
